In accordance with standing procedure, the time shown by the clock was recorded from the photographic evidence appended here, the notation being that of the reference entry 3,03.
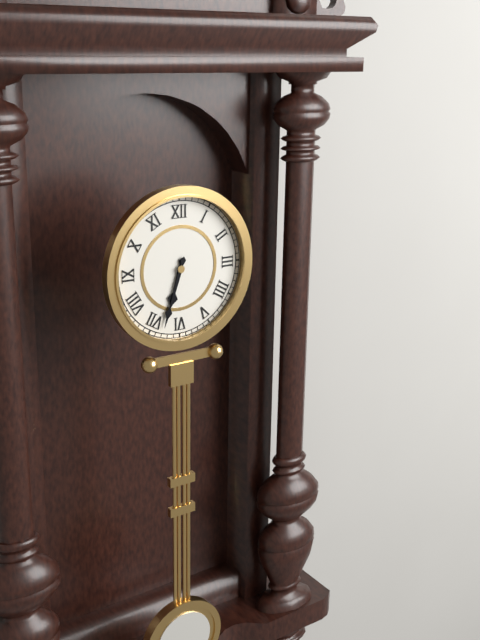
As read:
6,33
